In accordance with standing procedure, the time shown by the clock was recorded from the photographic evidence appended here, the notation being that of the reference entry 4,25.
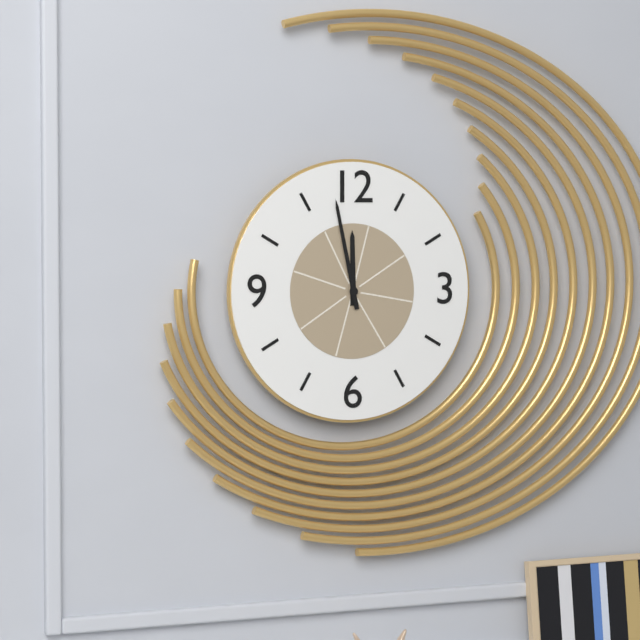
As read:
11,58
